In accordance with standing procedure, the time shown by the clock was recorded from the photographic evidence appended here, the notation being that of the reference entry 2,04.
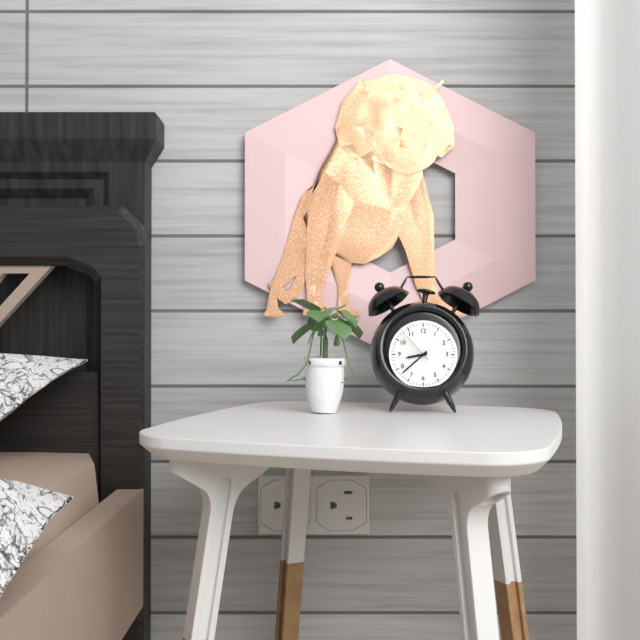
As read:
8,38
